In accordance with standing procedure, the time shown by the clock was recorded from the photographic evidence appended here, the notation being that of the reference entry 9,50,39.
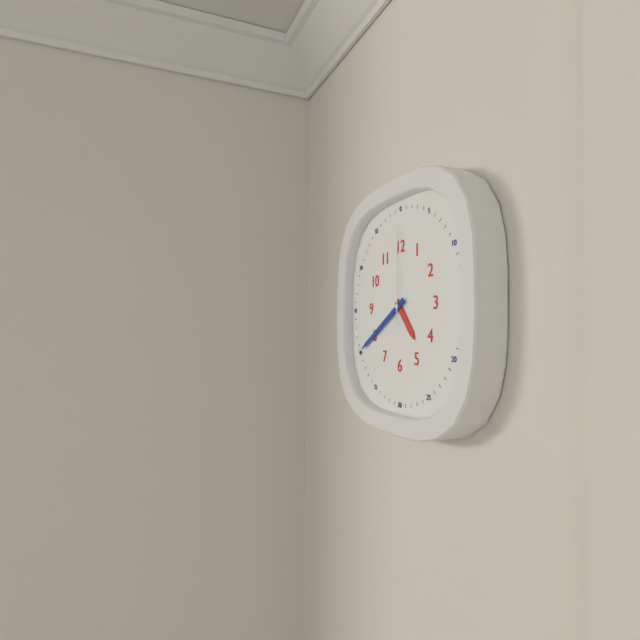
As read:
4,40,00
